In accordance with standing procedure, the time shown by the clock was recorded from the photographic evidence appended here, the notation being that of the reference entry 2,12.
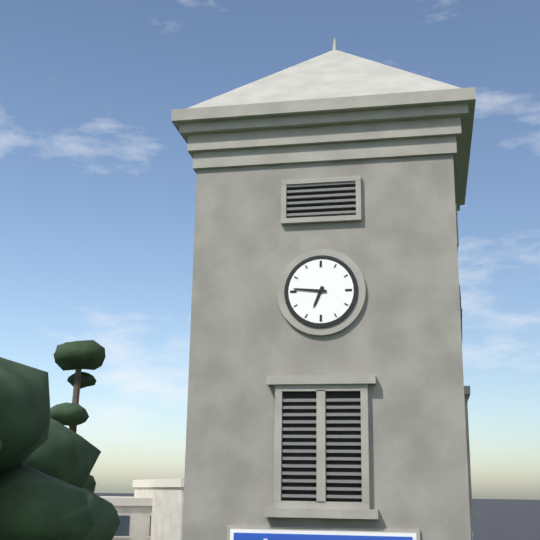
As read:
6,46
